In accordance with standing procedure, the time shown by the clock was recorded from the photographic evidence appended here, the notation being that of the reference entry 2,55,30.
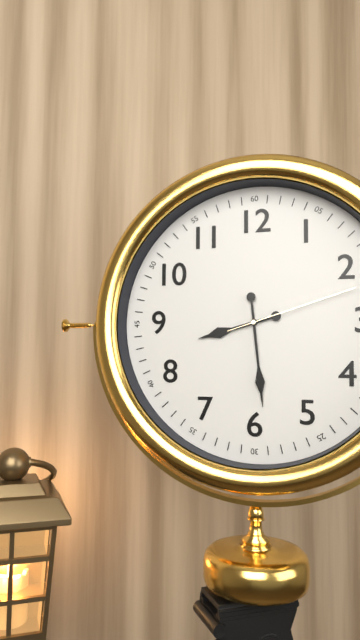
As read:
8,29,12
